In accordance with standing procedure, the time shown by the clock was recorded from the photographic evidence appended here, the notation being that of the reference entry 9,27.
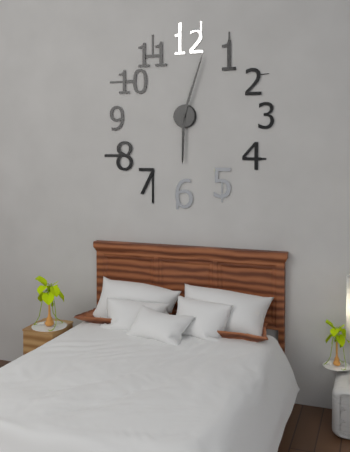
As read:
6,03
